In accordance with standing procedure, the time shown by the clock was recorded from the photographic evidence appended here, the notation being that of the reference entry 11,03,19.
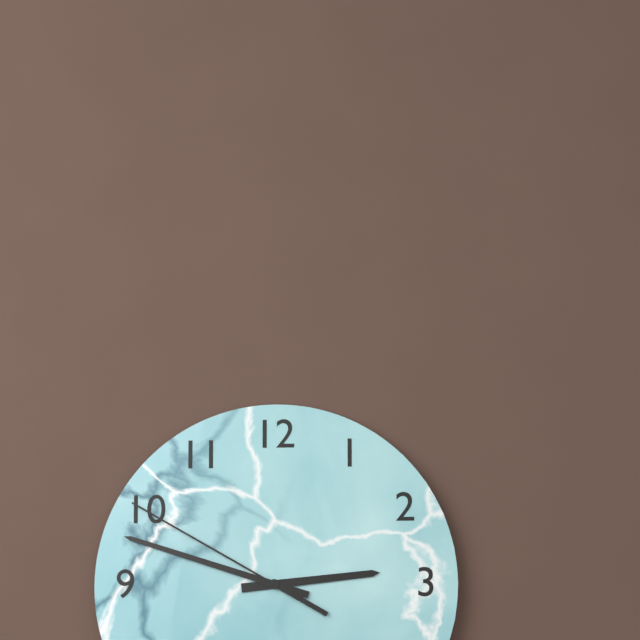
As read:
2,48,50
